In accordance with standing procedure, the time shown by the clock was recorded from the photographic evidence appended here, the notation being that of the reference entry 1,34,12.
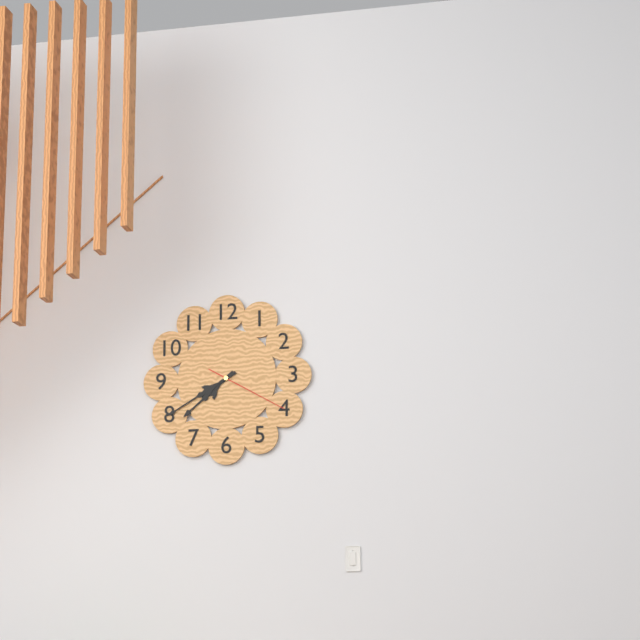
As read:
7,40,20
